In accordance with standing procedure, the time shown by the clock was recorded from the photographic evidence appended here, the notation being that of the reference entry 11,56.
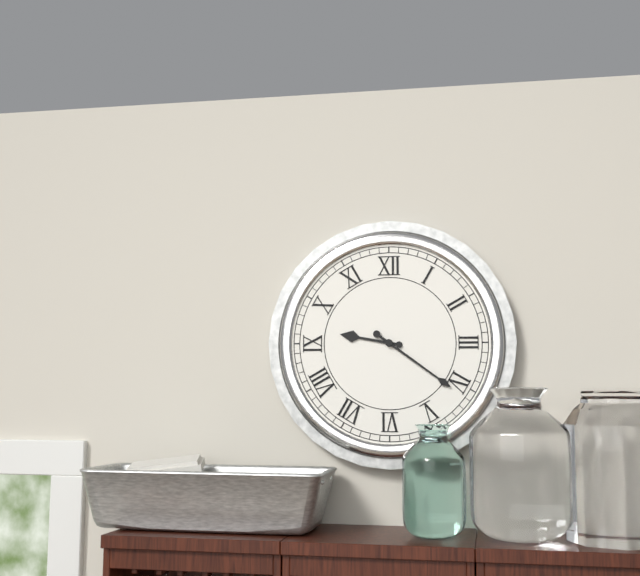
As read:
9,21
